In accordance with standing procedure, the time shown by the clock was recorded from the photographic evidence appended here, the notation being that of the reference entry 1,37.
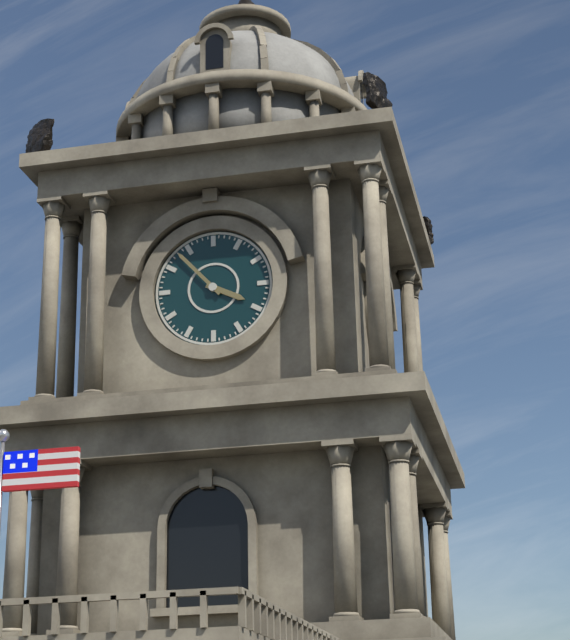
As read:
3,53
